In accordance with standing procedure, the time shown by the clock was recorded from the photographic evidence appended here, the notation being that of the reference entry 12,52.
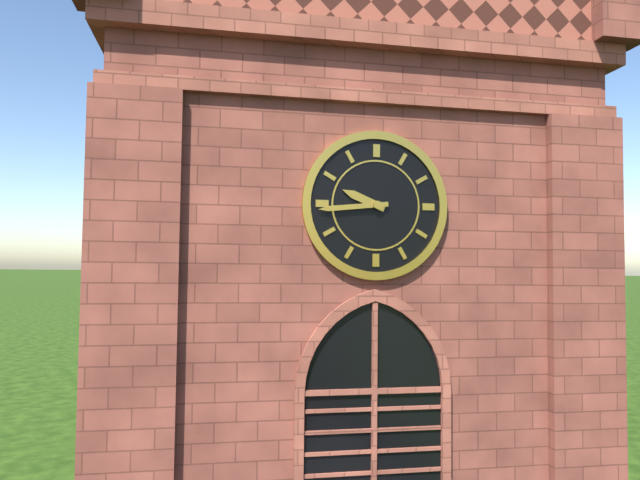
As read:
9,44
